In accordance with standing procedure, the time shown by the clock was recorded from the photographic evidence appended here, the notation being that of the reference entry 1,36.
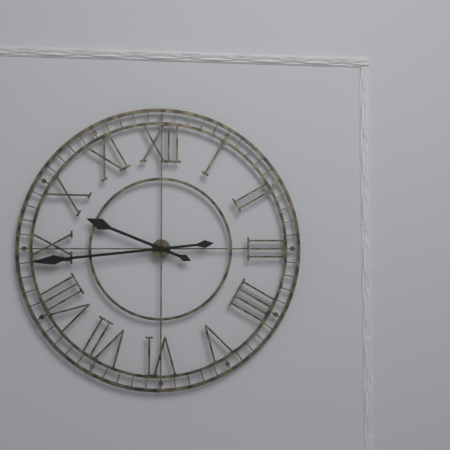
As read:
9,44
